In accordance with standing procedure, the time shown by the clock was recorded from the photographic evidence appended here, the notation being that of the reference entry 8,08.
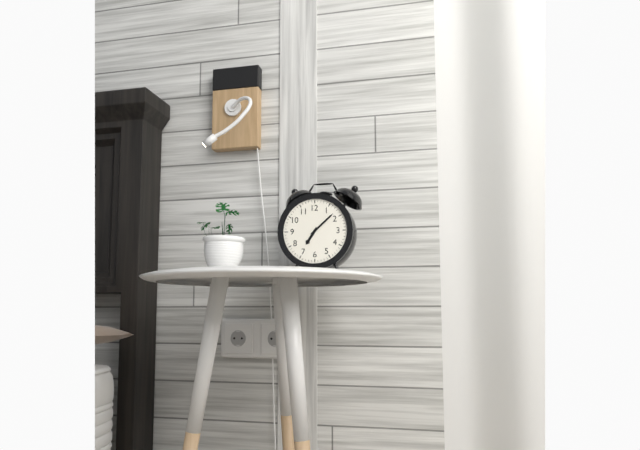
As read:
7,08
